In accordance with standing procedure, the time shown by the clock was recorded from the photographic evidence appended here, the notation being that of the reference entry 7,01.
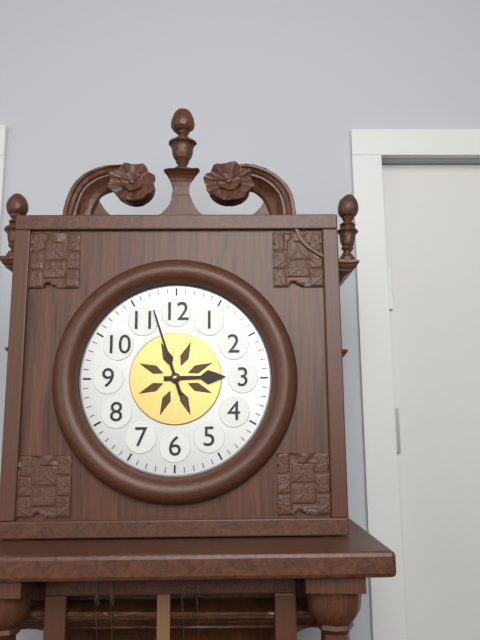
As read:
2,57
